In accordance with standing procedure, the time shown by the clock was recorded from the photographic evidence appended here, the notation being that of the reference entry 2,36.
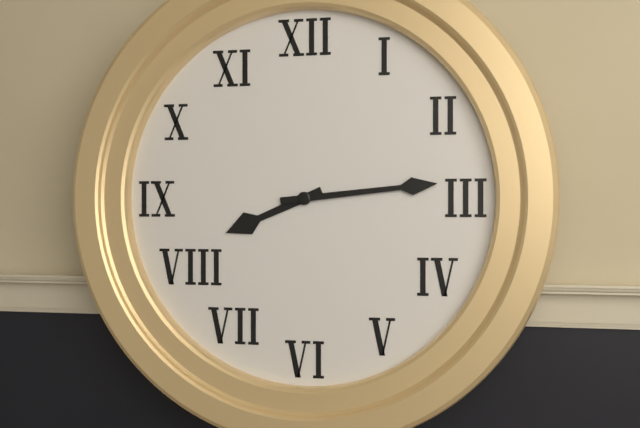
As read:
8,14
